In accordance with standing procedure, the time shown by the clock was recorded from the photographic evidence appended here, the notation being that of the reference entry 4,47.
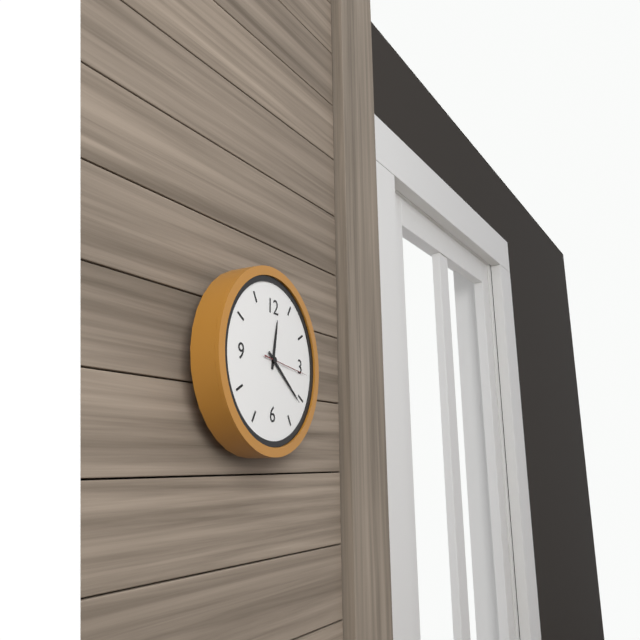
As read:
12,21
